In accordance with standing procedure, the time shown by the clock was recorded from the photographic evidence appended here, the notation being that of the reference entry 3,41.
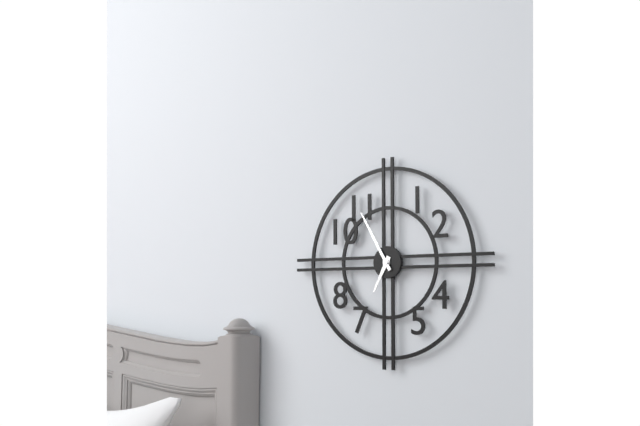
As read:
6,55
